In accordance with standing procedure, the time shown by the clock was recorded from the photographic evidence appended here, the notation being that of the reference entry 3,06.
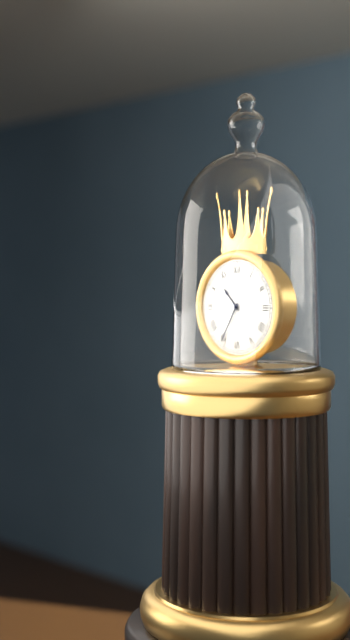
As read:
10,35
